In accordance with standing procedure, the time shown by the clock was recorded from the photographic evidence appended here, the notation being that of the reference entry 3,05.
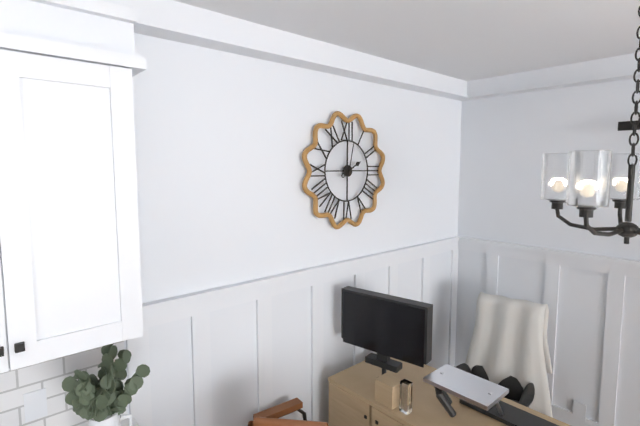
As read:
2,02
